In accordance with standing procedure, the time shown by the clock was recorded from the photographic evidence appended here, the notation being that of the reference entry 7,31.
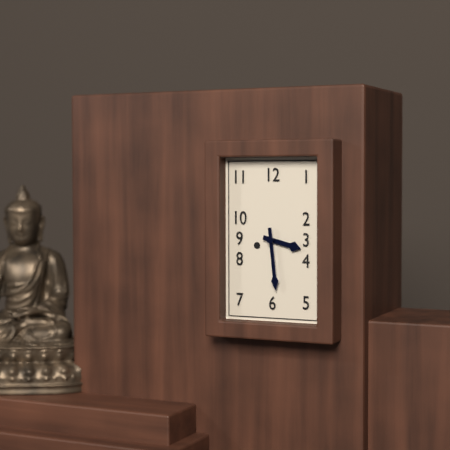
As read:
3,29
